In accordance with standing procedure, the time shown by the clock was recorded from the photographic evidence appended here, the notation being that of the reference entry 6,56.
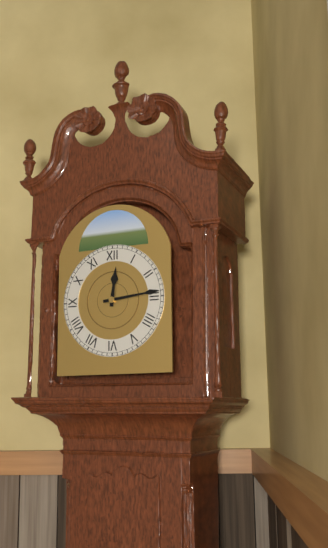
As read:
12,14
